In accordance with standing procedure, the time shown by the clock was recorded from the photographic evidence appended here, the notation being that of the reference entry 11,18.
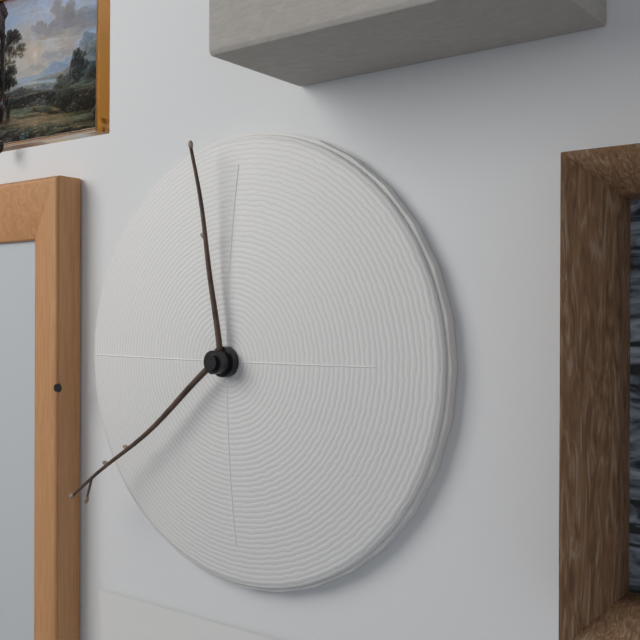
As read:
11,39
